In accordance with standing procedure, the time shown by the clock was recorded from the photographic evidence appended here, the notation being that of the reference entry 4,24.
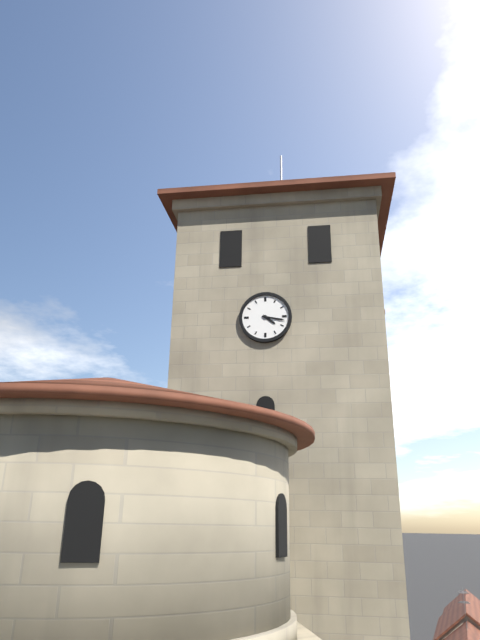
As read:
4,17
